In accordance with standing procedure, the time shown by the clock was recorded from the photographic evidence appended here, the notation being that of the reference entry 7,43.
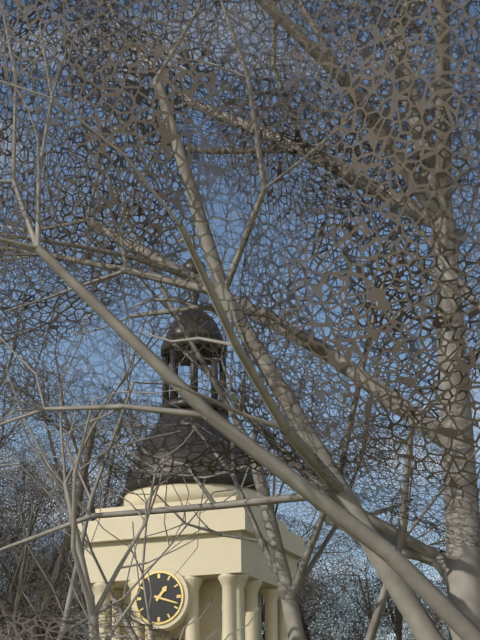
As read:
1,18
